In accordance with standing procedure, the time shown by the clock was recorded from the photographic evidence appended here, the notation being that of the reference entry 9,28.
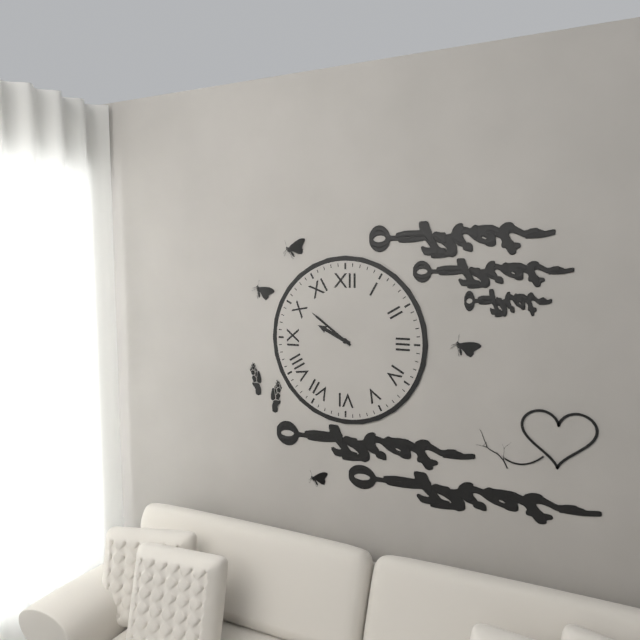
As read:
9,51
